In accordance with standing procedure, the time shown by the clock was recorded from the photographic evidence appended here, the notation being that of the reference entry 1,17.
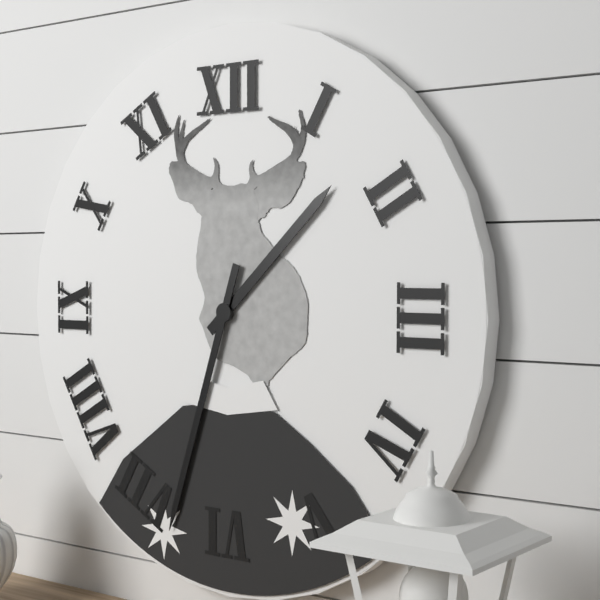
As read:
1,33
